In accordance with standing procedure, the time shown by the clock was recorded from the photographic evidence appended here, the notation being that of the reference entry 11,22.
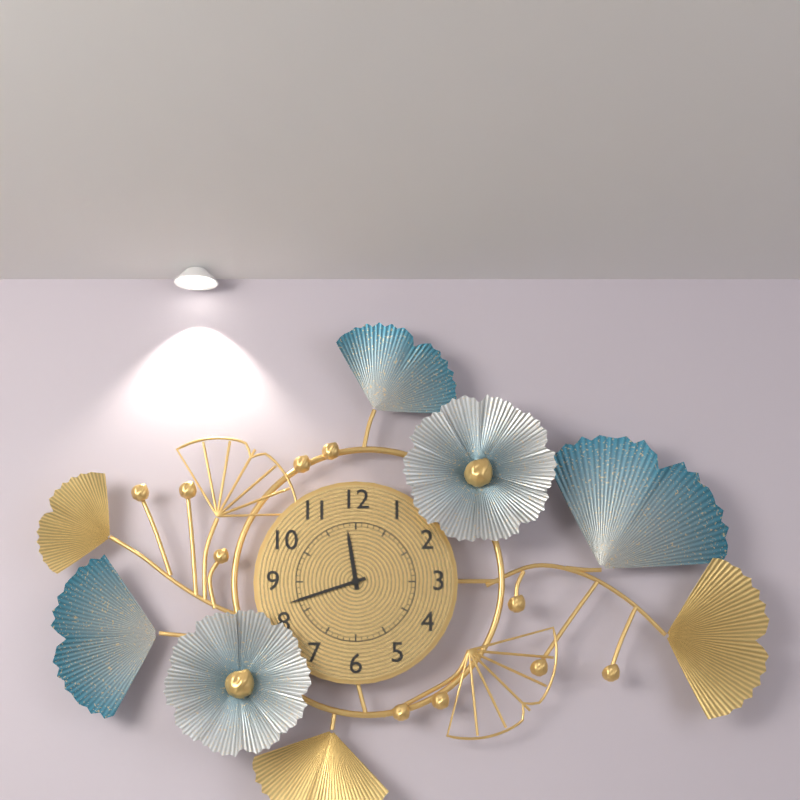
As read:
11,42
